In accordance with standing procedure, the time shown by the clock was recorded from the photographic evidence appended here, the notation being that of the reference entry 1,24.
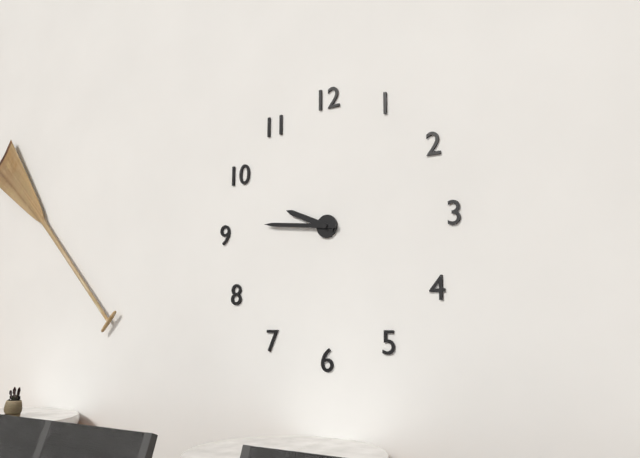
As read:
9,46
